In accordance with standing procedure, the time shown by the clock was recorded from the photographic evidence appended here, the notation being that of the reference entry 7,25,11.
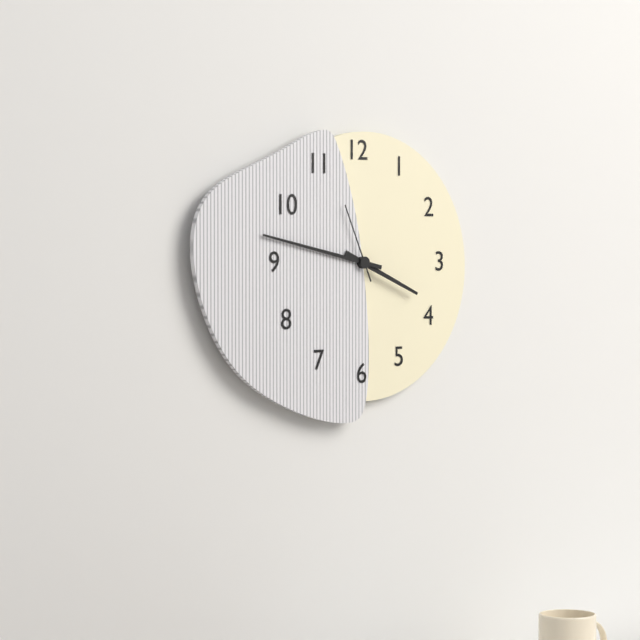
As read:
3,47,56
